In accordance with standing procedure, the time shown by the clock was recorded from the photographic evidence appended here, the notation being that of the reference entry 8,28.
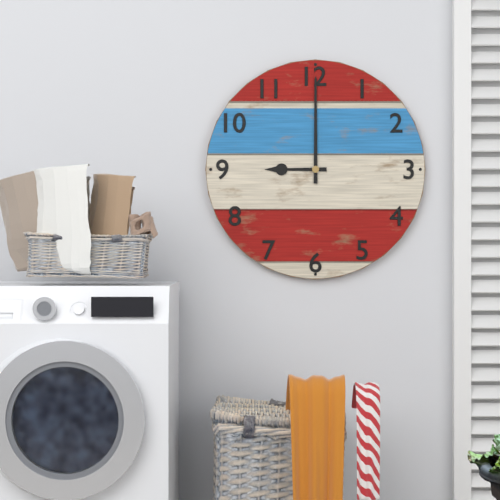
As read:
9,00
